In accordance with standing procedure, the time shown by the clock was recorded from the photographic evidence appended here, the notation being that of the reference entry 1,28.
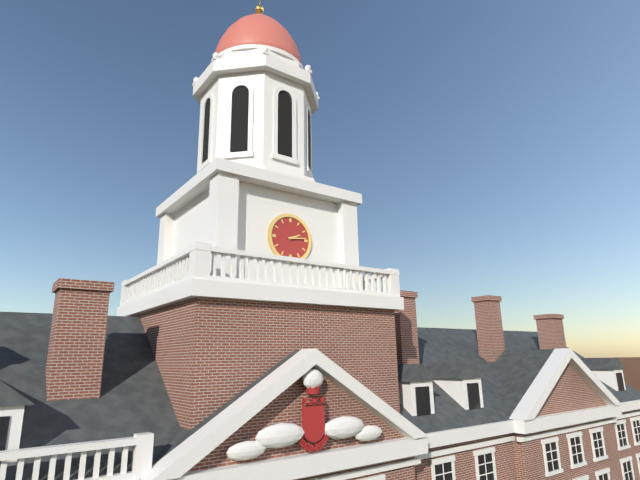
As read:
2,14
